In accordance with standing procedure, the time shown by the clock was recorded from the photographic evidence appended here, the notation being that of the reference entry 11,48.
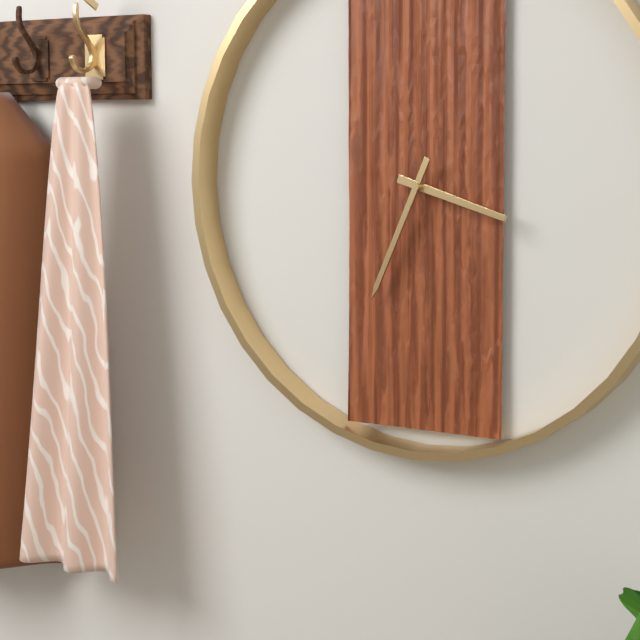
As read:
3,34
